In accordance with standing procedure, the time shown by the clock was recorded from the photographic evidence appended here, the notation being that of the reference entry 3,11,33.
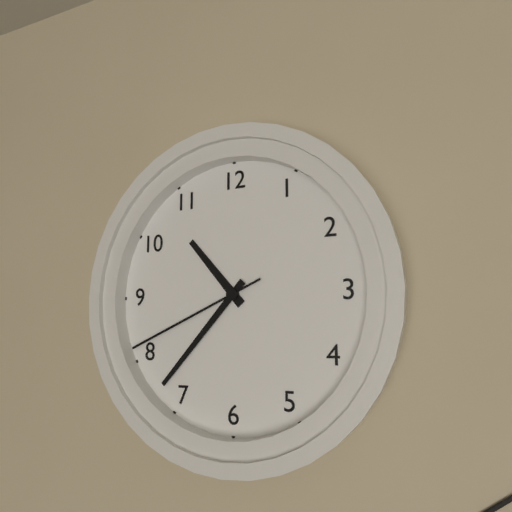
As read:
10,37,41
